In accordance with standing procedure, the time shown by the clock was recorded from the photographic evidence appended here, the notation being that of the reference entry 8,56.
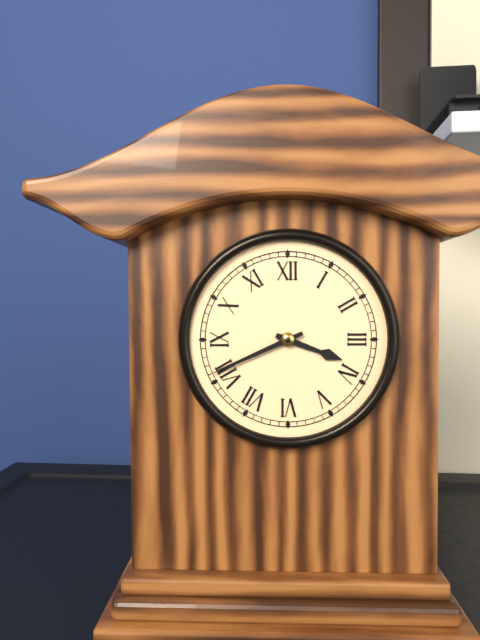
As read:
3,41
